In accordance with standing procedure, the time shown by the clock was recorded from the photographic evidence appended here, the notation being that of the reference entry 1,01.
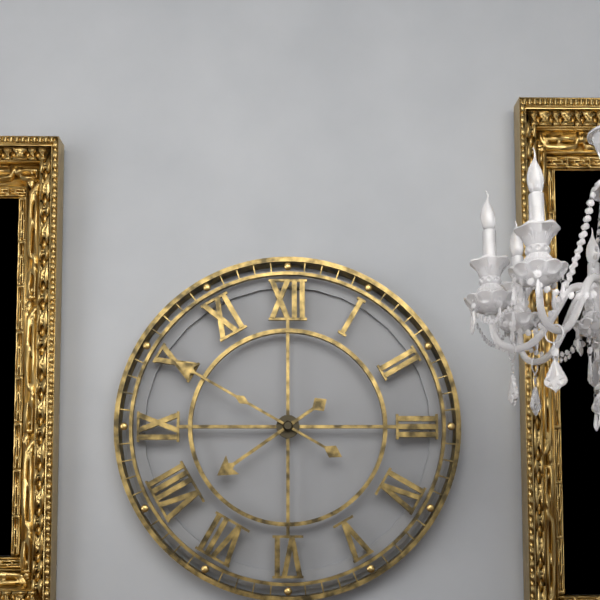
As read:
7,50
